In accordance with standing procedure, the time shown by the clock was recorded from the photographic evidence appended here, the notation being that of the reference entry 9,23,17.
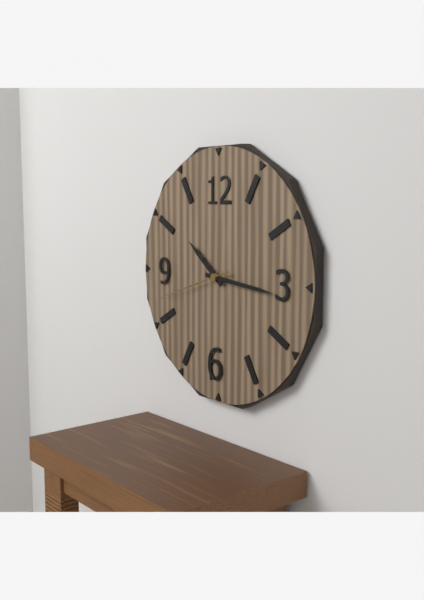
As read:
10,16,42
